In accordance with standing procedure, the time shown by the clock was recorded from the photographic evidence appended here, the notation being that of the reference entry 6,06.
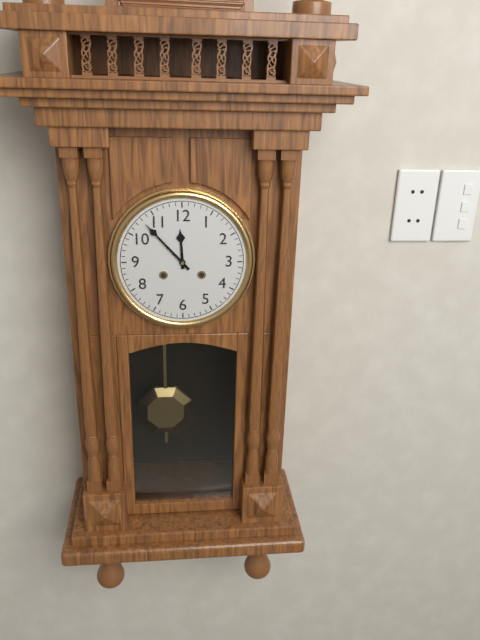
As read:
11,53
